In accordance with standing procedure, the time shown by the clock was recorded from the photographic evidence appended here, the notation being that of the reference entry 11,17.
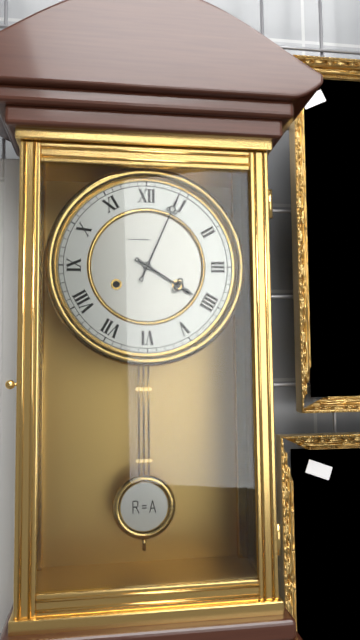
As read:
4,04
